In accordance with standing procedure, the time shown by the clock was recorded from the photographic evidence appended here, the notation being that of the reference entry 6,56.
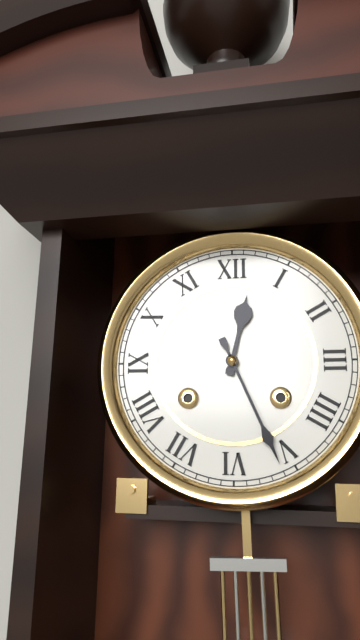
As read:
12,26
